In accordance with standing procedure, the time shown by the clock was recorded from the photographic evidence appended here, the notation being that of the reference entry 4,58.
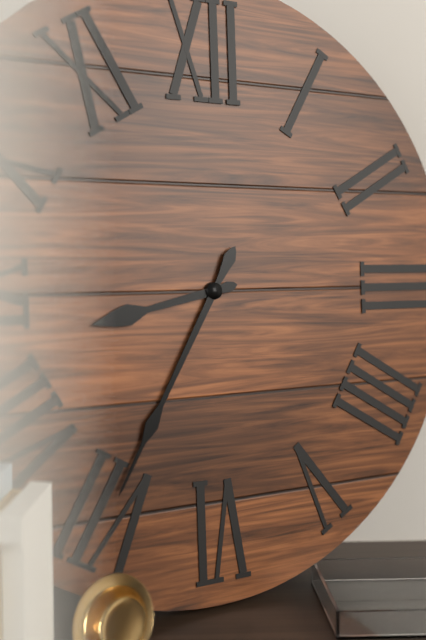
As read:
8,35
